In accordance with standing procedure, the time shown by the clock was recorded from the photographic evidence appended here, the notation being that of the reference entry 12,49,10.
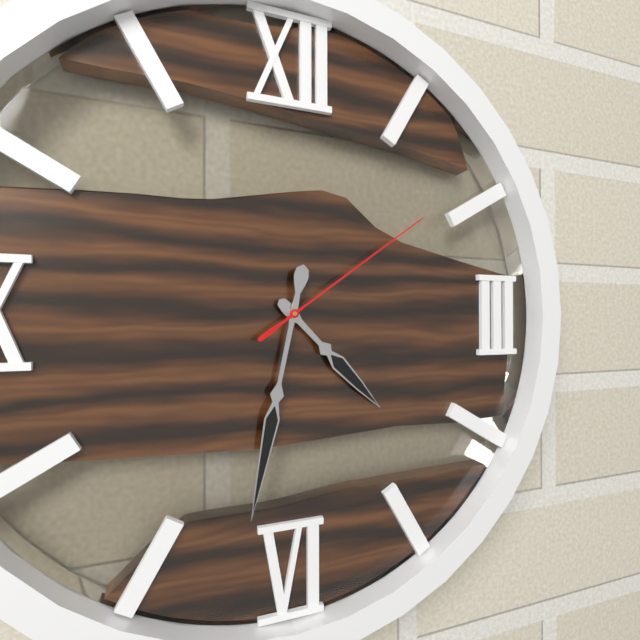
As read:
4,32,09
